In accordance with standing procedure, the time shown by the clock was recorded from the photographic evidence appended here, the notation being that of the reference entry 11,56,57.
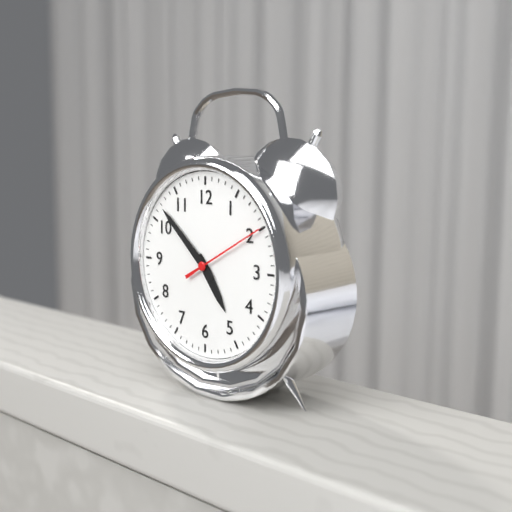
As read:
4,52,10
